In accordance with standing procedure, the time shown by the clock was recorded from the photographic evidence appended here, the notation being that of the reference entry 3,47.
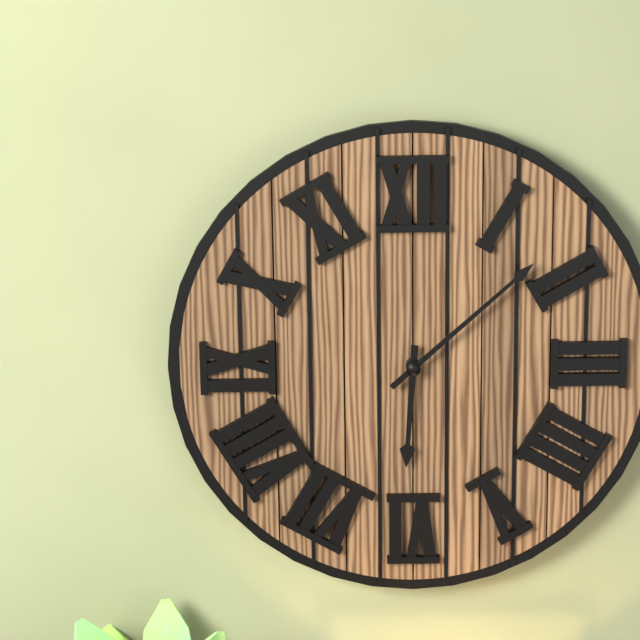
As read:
6,08
